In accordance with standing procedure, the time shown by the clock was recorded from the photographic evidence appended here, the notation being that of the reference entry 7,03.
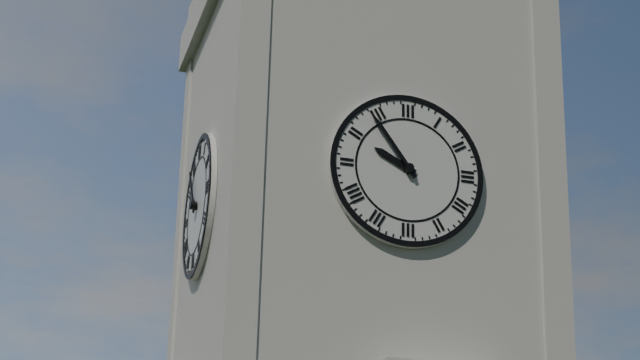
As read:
9,54
